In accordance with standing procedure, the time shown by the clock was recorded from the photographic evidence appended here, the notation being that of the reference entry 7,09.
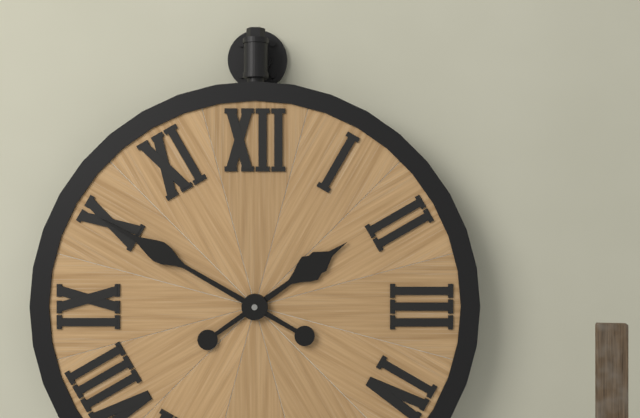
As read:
1,50
